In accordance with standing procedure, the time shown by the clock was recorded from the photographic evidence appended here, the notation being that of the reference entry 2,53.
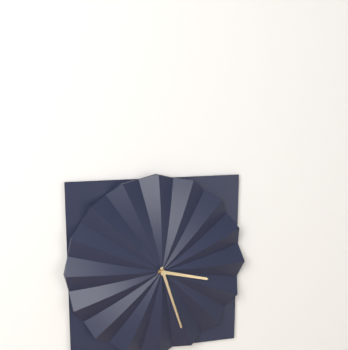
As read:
3,27
